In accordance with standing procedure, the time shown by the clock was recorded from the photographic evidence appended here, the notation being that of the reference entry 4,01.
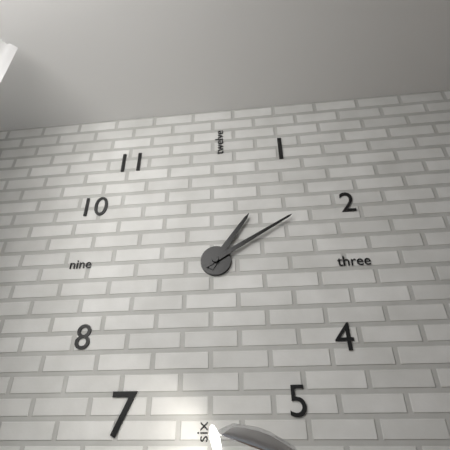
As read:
1,10
